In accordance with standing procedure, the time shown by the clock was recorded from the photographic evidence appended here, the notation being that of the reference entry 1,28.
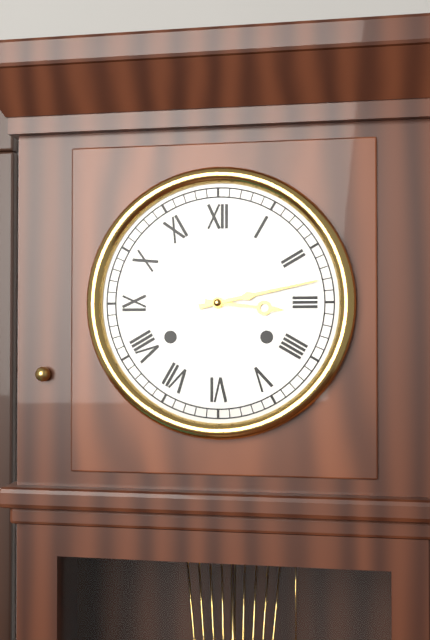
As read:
3,13
